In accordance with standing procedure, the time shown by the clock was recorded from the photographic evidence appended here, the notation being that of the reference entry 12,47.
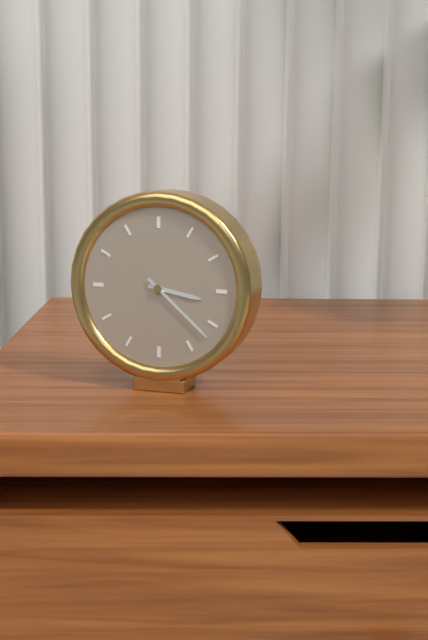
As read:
3,22
